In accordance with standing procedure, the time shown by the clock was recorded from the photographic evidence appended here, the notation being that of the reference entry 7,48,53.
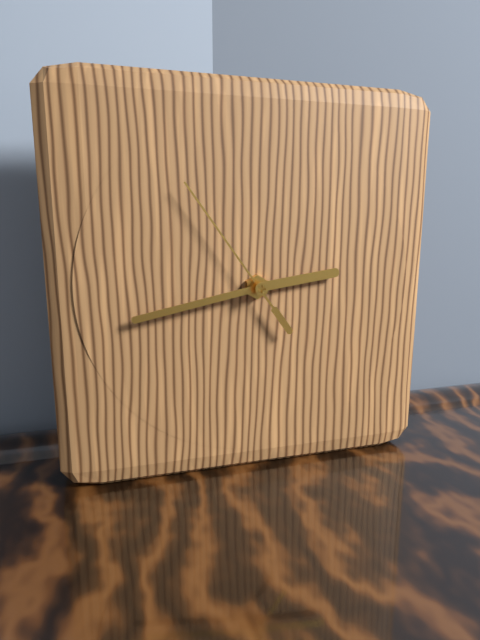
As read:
2,43,54
